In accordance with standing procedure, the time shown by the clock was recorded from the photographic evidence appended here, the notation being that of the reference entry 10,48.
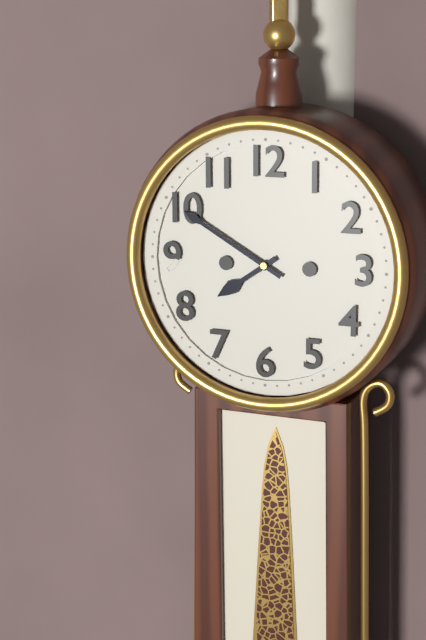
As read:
7,50
